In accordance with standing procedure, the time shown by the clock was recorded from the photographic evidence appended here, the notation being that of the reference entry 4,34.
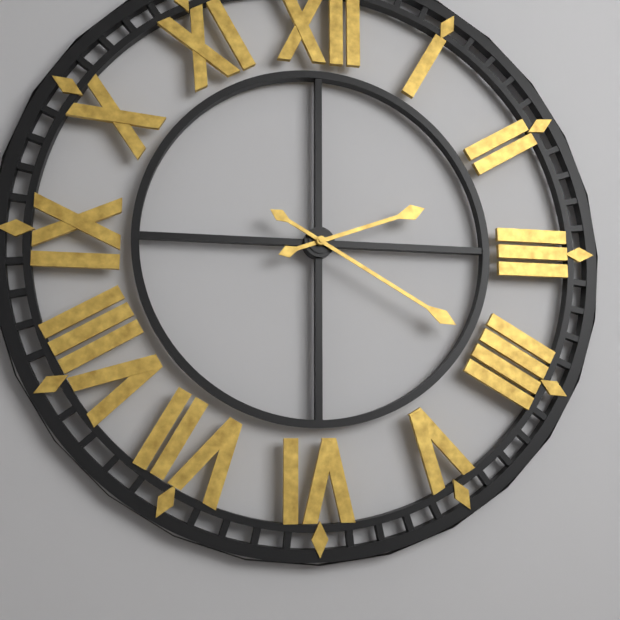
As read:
2,20
